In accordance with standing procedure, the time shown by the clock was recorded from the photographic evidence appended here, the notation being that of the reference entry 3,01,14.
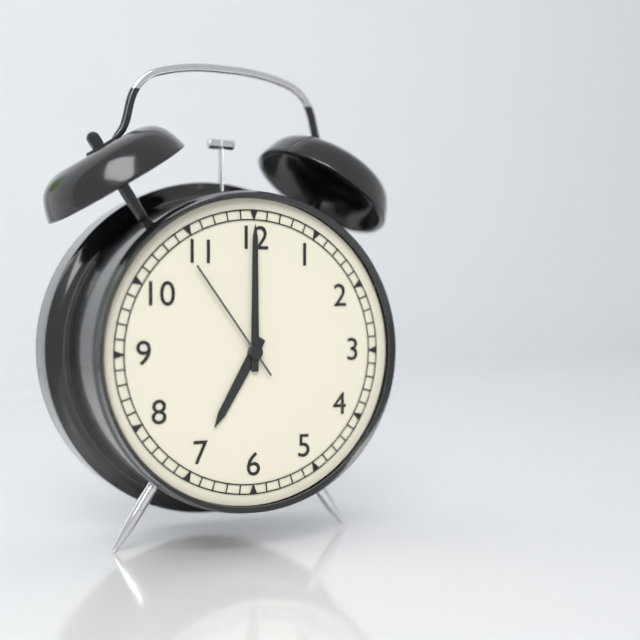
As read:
7,00,54
